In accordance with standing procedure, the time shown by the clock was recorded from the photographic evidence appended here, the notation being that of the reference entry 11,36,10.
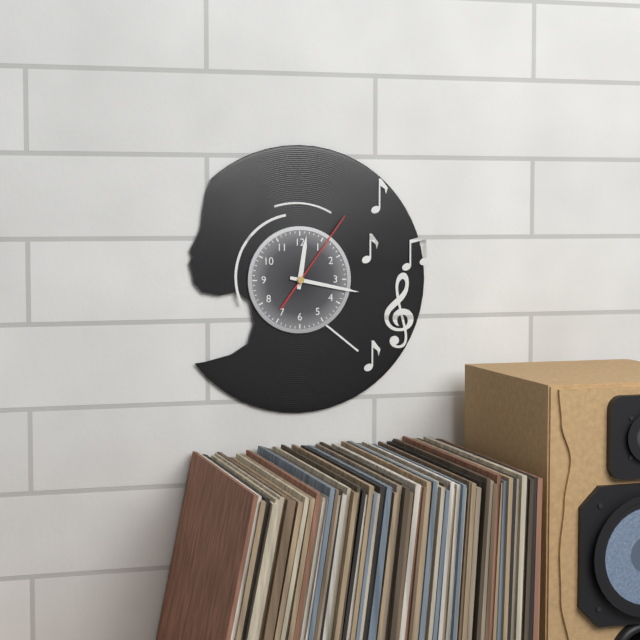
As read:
12,17,06
